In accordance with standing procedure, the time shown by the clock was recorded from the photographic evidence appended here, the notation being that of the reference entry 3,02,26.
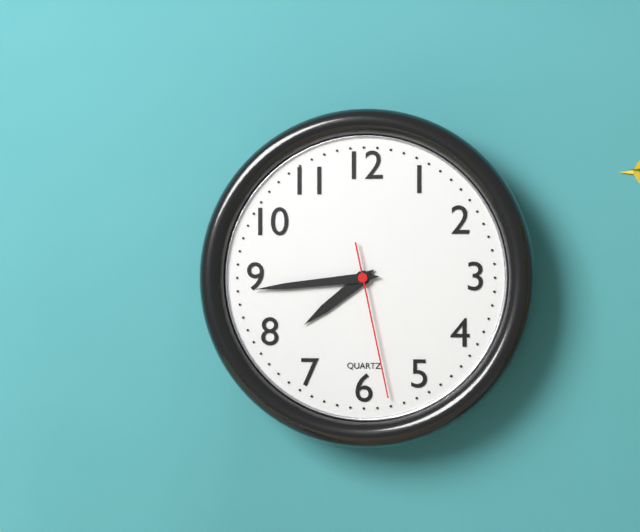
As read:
7,44,28
